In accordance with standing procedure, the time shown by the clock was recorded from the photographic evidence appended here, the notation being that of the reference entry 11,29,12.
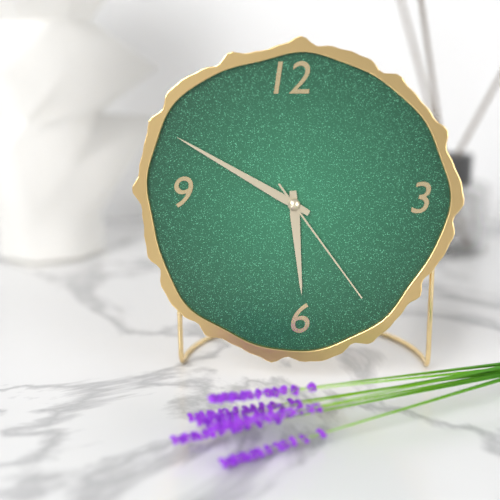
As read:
5,50,24
